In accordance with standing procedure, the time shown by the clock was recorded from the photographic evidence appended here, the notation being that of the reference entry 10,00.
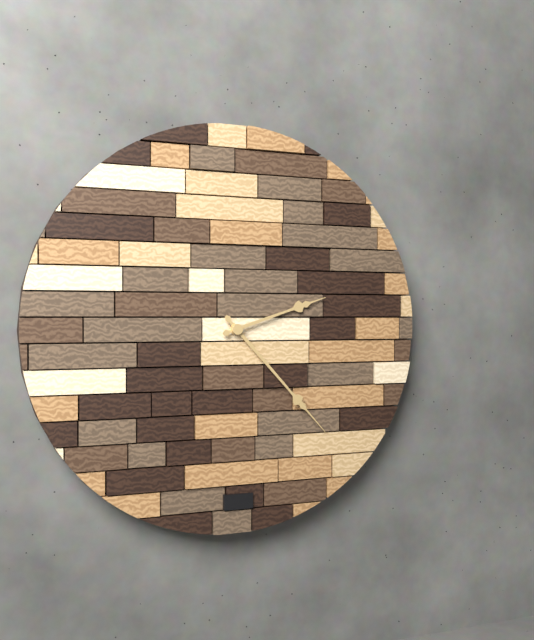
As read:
2,23
